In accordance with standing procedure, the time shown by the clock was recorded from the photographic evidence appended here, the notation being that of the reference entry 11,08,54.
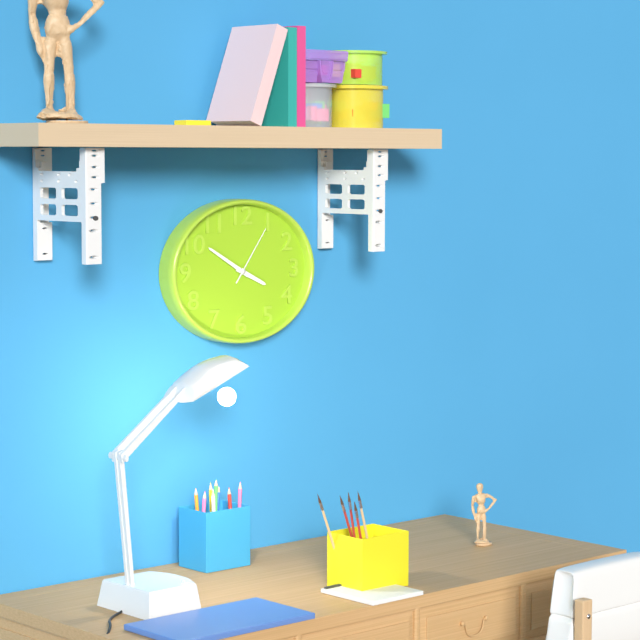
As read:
3,50,06
